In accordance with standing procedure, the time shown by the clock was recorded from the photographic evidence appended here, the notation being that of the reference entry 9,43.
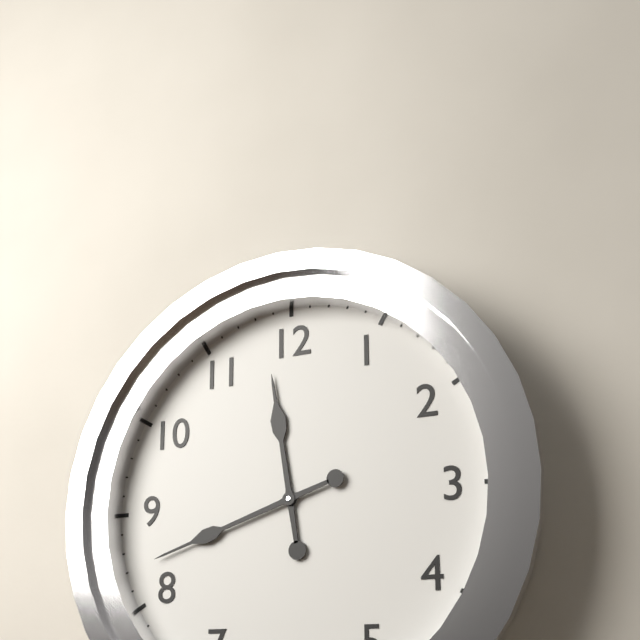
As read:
11,42
